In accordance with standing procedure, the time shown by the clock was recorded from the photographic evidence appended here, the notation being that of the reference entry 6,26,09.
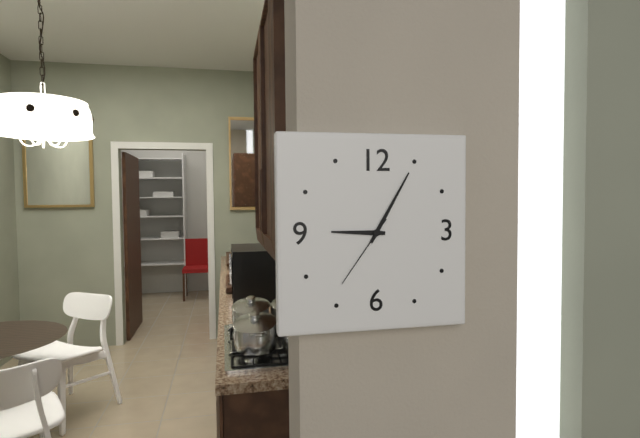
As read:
9,05,36
